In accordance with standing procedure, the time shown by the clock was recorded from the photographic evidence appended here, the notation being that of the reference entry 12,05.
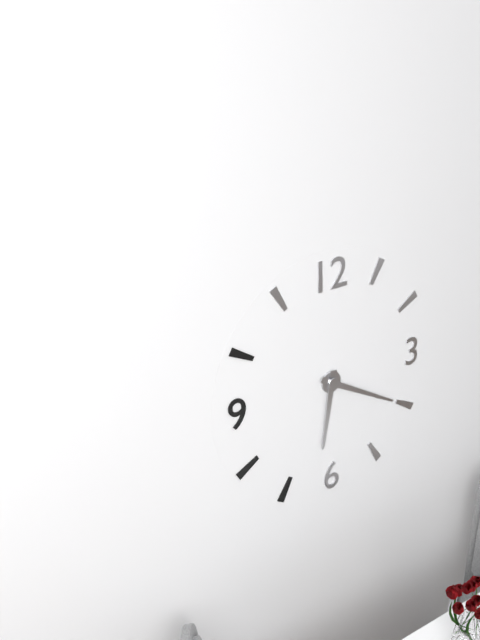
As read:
6,20
